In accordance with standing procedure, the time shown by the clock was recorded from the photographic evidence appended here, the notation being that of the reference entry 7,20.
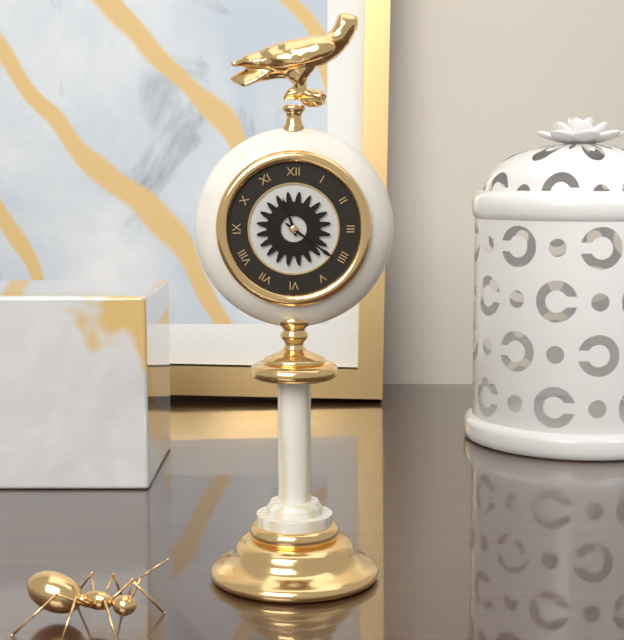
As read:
11,21
